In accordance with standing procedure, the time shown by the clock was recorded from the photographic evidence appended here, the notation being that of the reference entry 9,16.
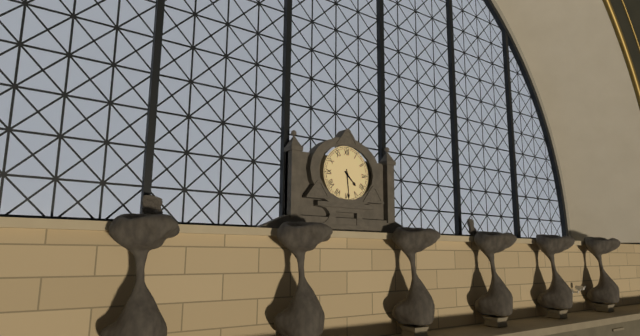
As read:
4,29
